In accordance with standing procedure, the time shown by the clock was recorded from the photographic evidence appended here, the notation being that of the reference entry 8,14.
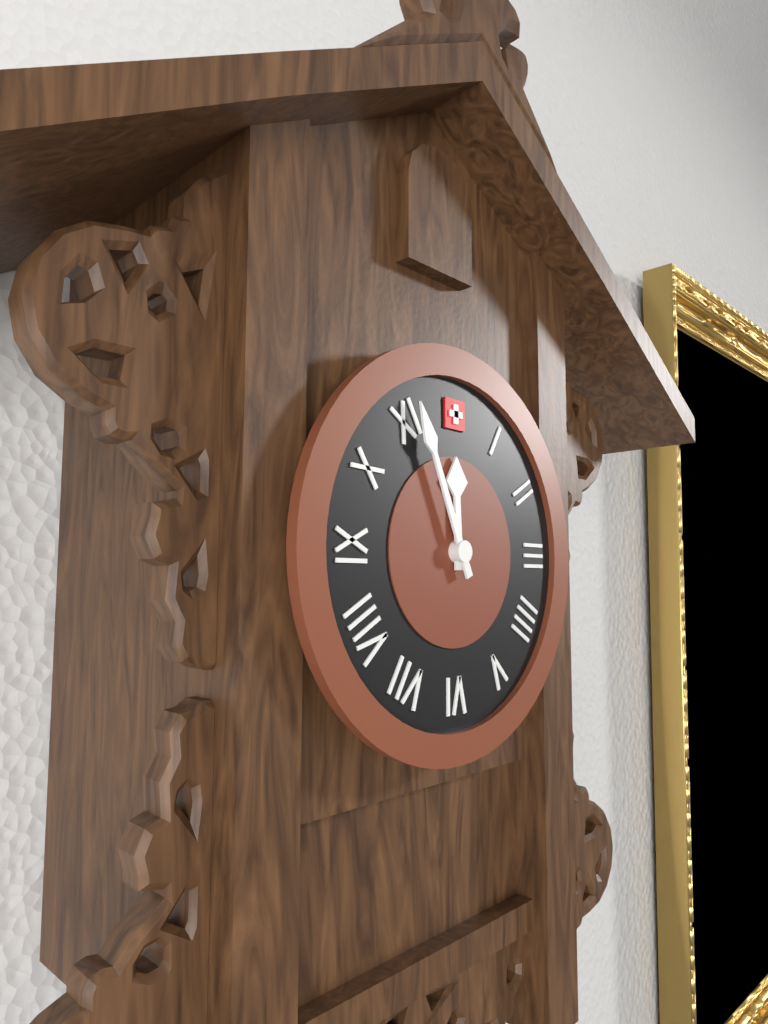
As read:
11,56
